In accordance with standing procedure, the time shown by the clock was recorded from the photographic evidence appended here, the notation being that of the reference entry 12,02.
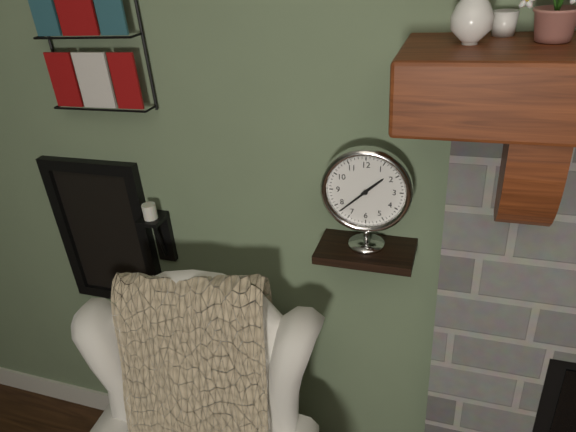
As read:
1,38
